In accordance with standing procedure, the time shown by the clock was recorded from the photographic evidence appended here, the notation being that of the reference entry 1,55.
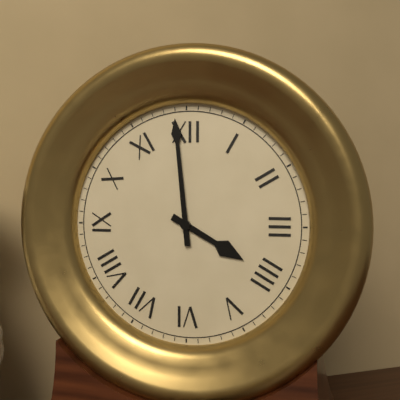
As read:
3,59
